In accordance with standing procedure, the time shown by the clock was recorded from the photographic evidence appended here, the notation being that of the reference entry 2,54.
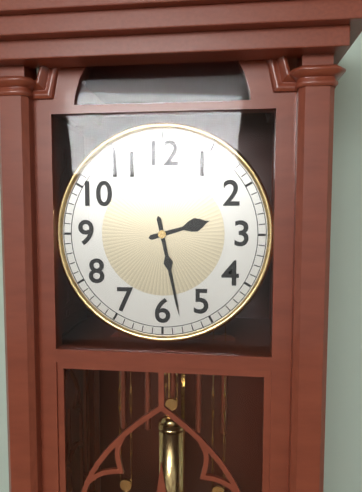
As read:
2,28
